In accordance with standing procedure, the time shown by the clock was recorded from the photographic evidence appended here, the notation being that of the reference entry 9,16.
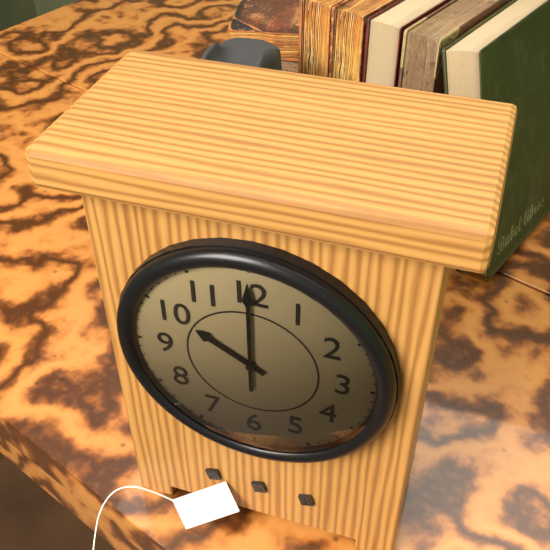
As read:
10,00
